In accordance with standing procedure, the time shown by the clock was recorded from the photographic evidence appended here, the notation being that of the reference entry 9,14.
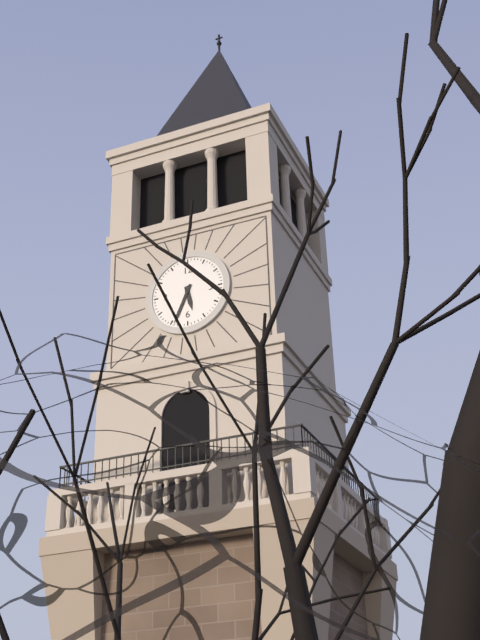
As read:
5,34
